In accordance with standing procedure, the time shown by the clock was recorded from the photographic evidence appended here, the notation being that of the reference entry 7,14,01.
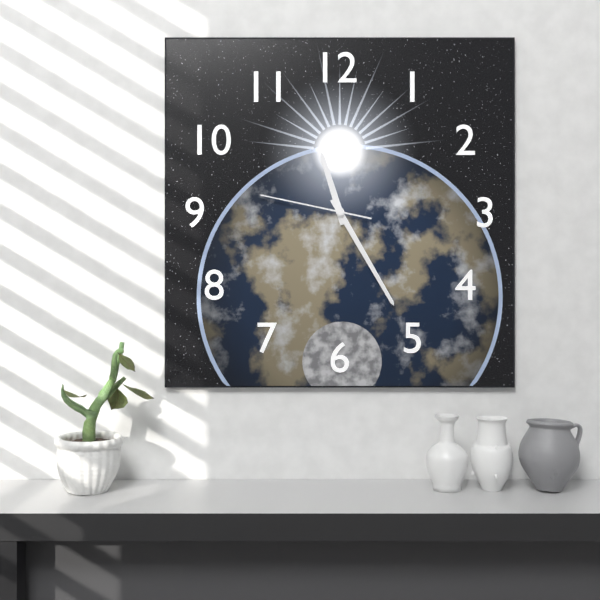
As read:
11,25,47
